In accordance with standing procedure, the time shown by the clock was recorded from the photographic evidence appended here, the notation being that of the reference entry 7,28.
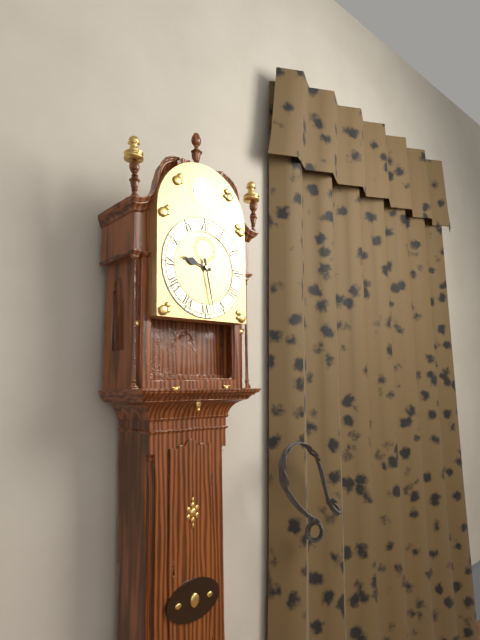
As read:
9,28
